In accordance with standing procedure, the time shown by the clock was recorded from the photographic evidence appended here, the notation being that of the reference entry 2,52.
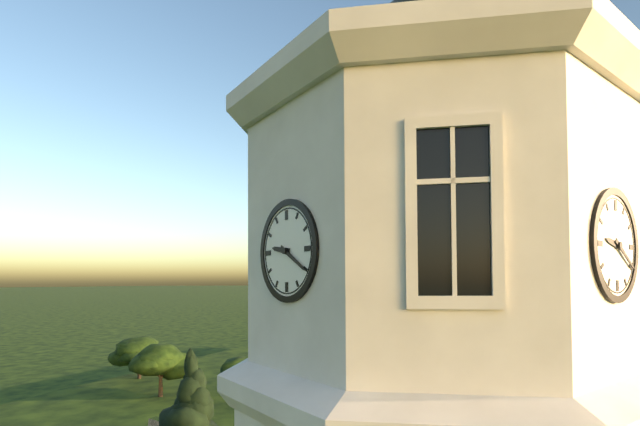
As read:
9,20
